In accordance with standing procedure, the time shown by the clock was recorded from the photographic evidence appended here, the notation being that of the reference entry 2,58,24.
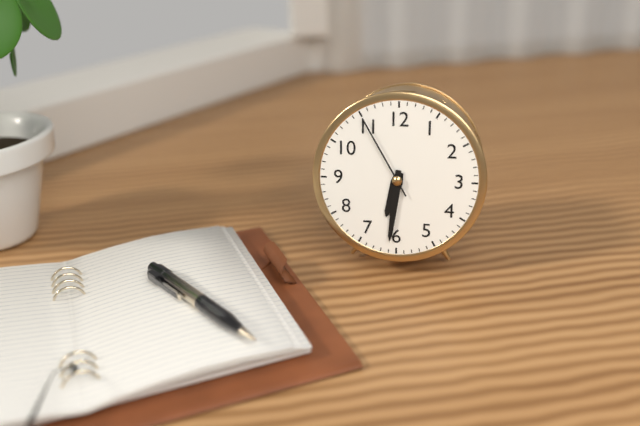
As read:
6,31,55
